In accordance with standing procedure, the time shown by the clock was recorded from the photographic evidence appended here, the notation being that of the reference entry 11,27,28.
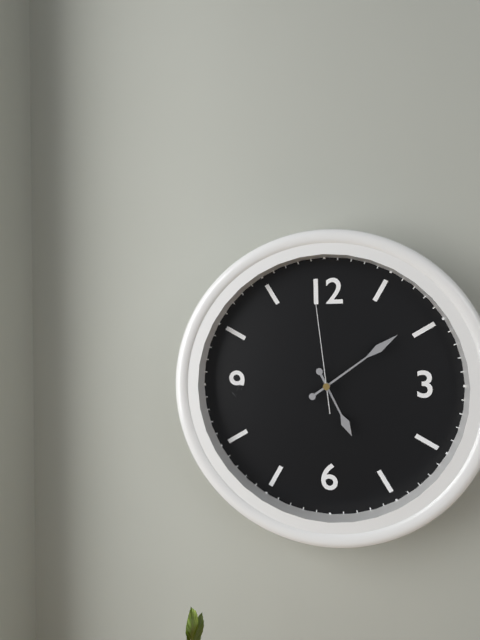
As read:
5,09,59
